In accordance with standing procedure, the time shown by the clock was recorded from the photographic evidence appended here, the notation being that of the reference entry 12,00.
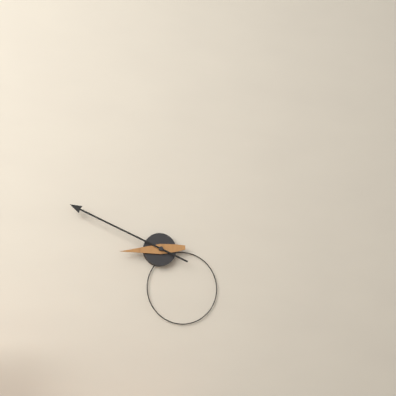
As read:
8,49
